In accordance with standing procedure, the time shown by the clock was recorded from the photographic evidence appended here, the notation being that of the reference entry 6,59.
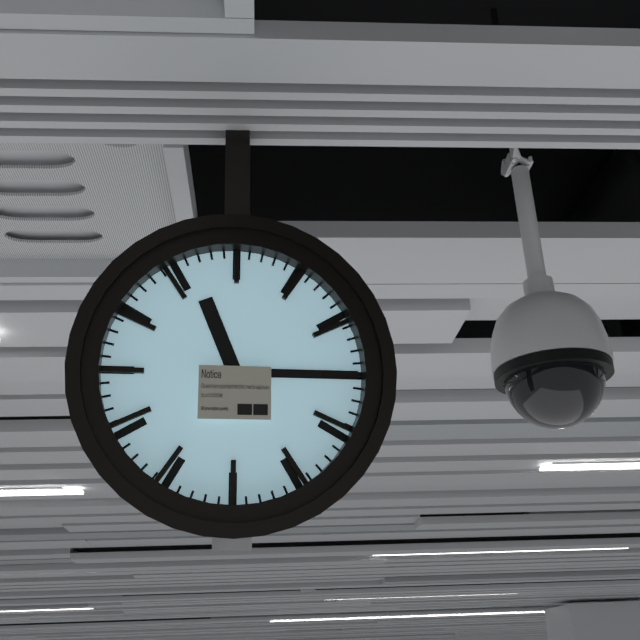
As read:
11,15
